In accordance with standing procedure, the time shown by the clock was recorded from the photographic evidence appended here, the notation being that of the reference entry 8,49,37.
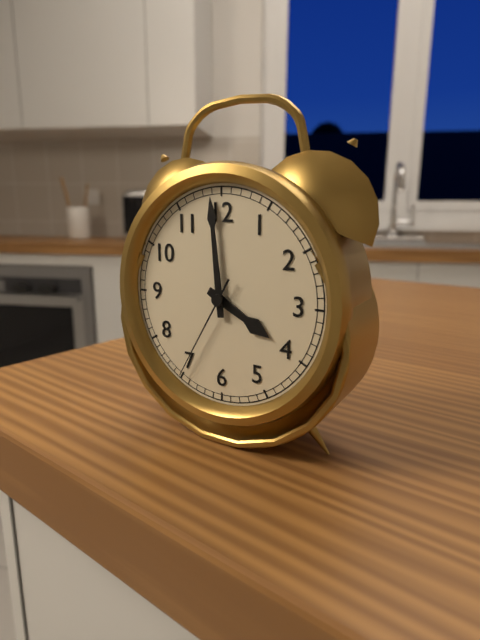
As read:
3,59,35
